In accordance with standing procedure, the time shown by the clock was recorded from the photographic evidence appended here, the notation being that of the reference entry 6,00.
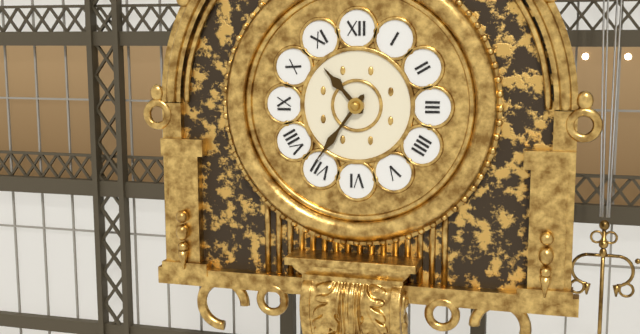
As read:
10,36
